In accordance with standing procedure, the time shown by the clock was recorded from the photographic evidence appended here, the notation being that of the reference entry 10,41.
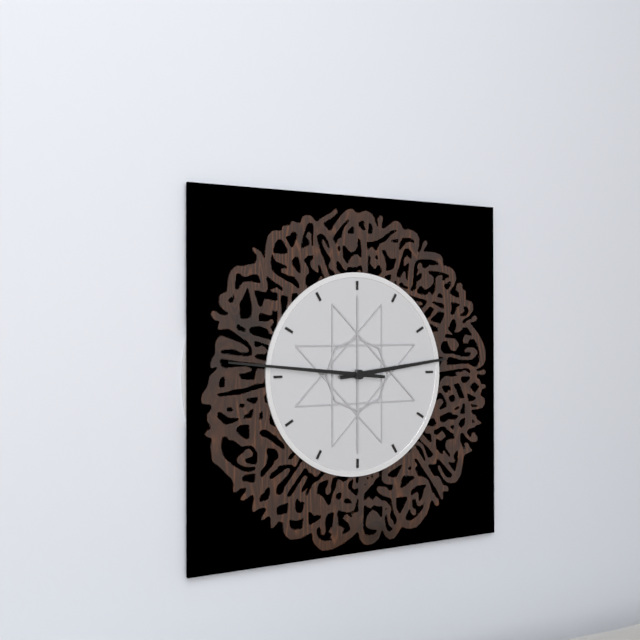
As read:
2,46
